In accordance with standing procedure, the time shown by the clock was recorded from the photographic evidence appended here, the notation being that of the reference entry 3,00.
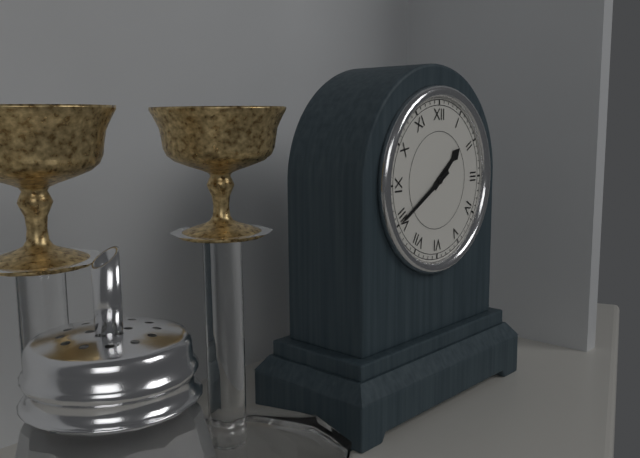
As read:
1,40
